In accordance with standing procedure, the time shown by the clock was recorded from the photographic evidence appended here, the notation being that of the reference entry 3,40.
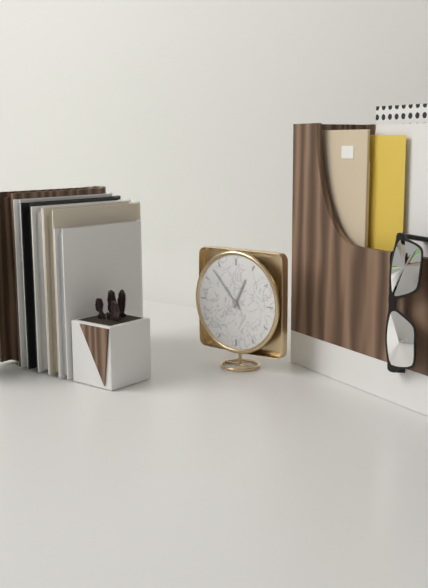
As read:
12,53
